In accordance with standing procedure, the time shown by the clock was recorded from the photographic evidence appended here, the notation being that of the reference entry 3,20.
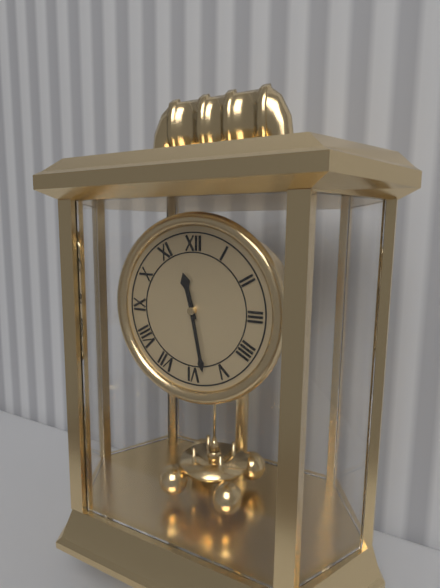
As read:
11,28
